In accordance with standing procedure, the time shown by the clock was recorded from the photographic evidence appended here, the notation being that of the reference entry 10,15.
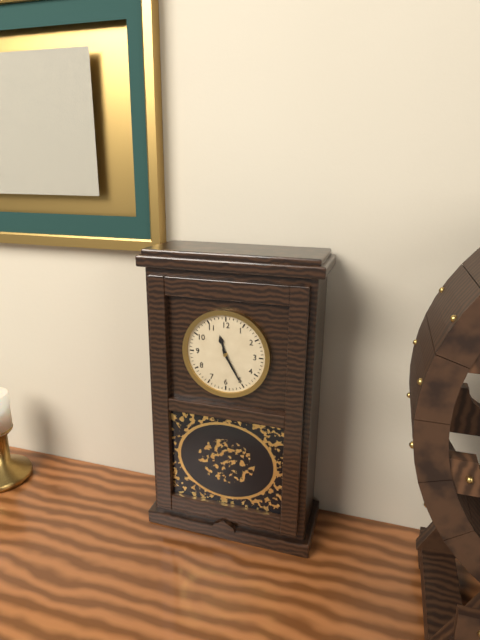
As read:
11,25
